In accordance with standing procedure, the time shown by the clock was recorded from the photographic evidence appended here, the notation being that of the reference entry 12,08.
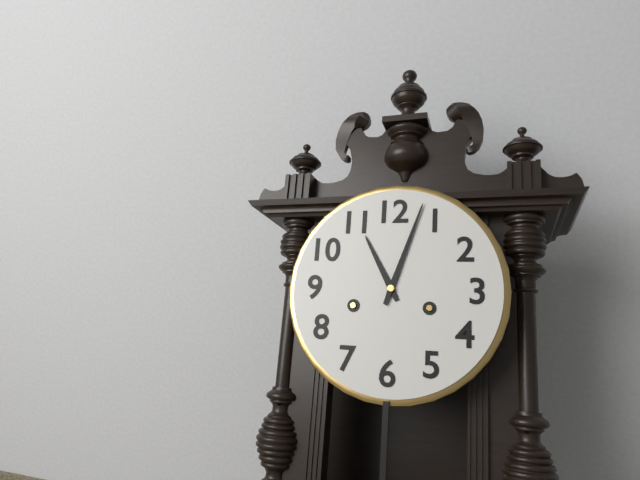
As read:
11,03
